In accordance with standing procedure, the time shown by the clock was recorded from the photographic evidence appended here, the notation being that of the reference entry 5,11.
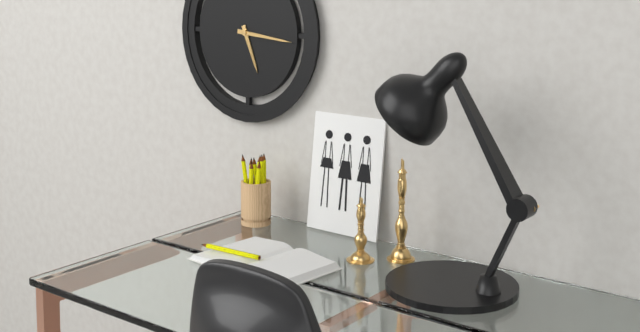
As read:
5,16
